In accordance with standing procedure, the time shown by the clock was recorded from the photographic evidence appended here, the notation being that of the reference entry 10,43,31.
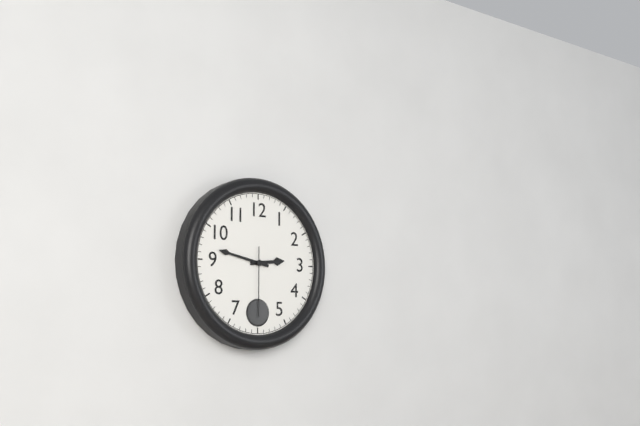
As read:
2,47,30
